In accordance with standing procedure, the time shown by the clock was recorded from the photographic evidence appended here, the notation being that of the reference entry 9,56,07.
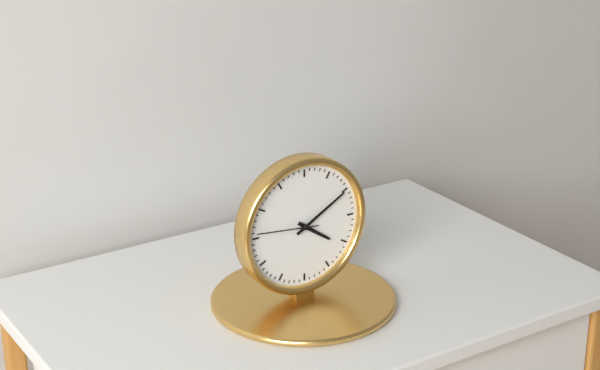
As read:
4,10,46
